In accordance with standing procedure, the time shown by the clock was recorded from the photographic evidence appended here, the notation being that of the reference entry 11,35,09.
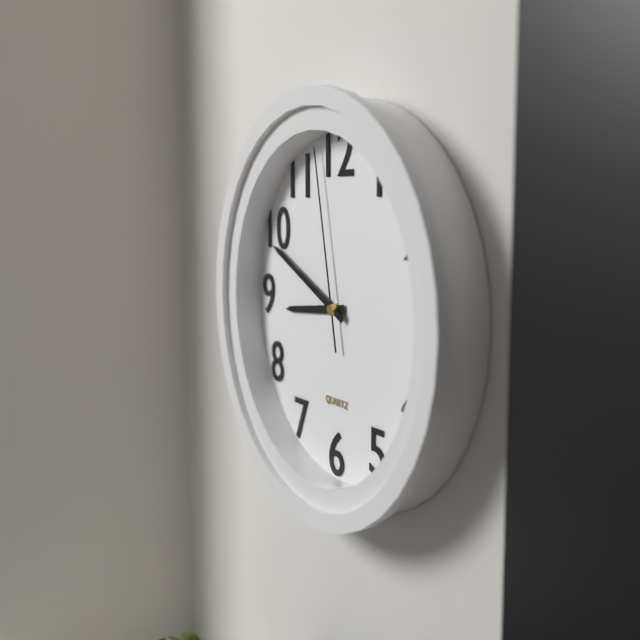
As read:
8,49,58
